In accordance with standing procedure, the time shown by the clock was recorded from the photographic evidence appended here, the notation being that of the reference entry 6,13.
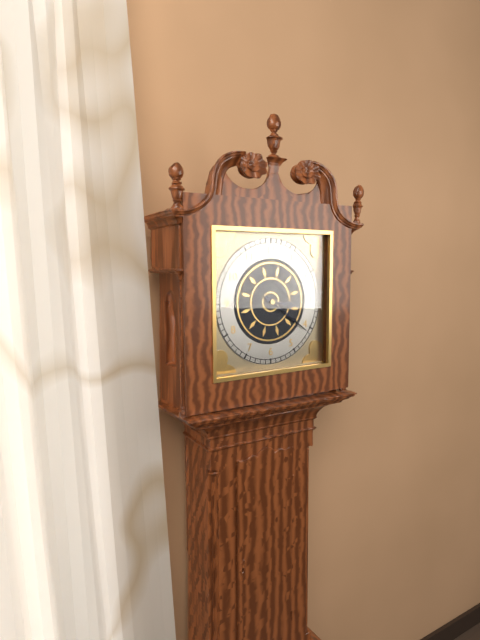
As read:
3,21
